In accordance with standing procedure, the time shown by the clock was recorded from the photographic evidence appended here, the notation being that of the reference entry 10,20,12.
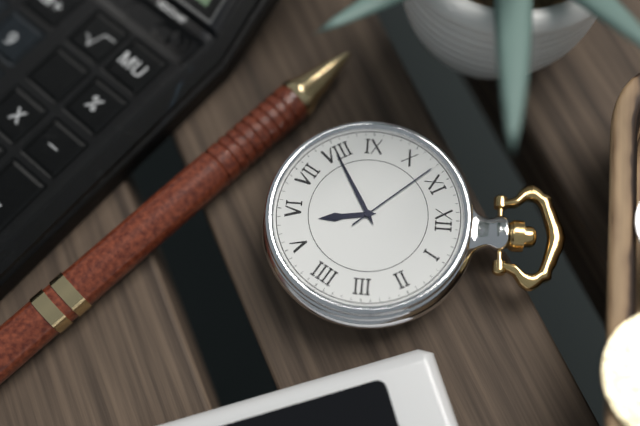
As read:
5,40,53
